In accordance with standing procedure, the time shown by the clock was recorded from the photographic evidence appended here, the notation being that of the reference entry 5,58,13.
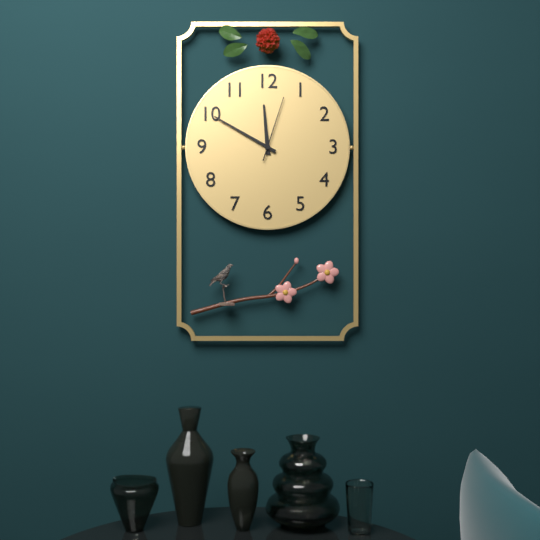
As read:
11,50,03
